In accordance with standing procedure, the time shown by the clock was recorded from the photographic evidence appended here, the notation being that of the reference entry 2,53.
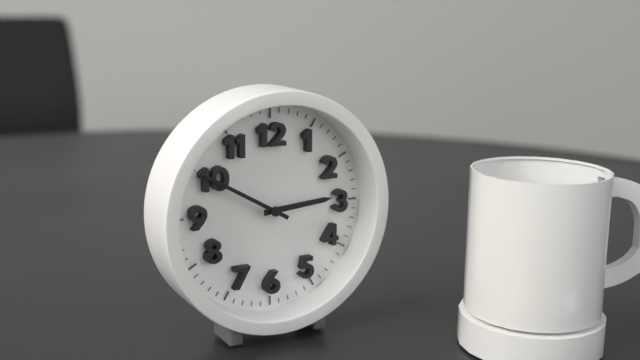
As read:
2,50
